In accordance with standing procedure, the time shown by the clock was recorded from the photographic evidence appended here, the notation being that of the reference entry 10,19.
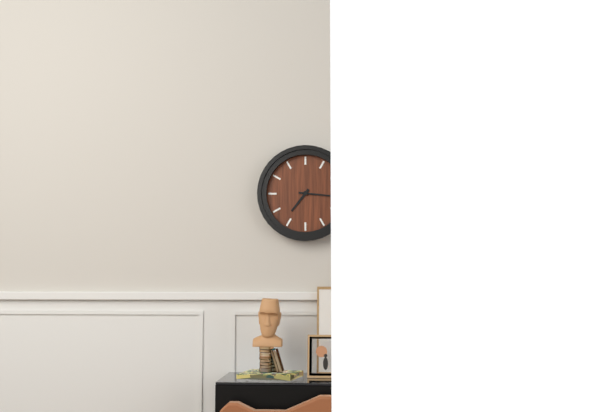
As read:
7,16
